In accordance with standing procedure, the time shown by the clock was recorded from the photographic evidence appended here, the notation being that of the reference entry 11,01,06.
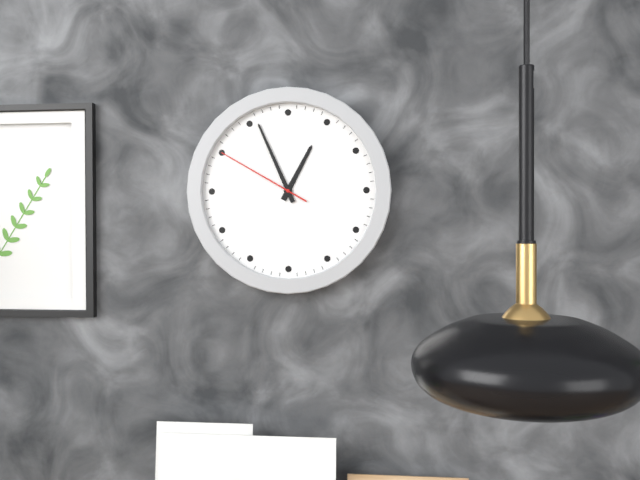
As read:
12,56,50
